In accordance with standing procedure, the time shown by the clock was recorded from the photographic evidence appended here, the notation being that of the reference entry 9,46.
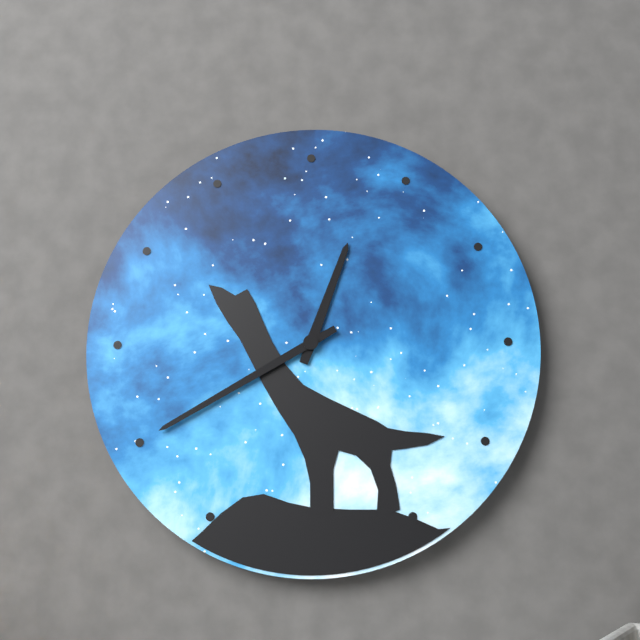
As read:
12,40
